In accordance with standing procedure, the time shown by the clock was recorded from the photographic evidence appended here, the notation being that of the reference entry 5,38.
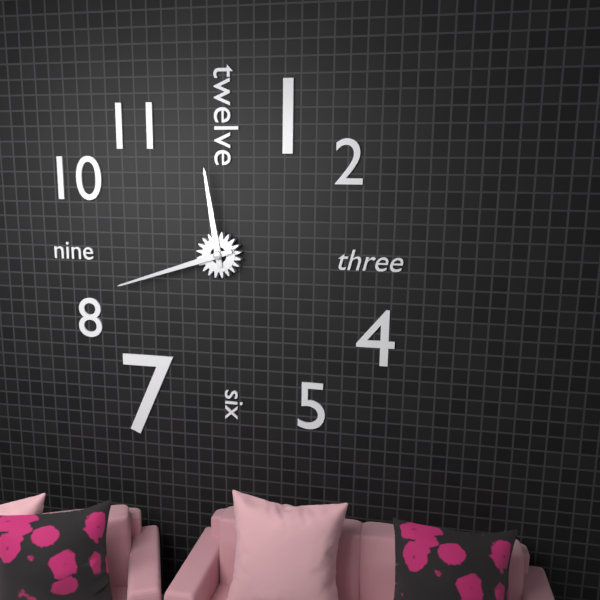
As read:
11,42
